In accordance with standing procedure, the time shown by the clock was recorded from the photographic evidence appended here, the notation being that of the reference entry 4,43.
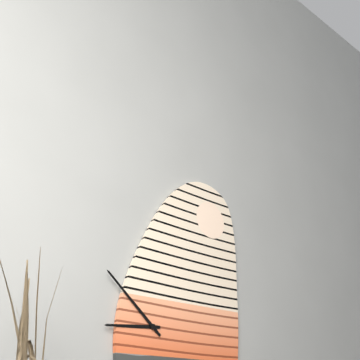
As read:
8,52
